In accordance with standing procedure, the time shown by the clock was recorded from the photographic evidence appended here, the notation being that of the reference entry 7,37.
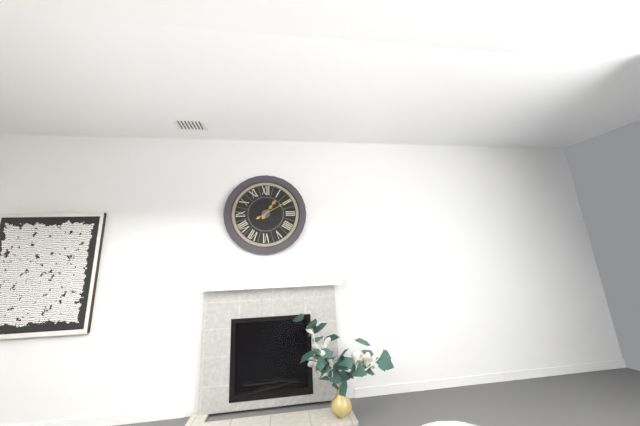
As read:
1,10
